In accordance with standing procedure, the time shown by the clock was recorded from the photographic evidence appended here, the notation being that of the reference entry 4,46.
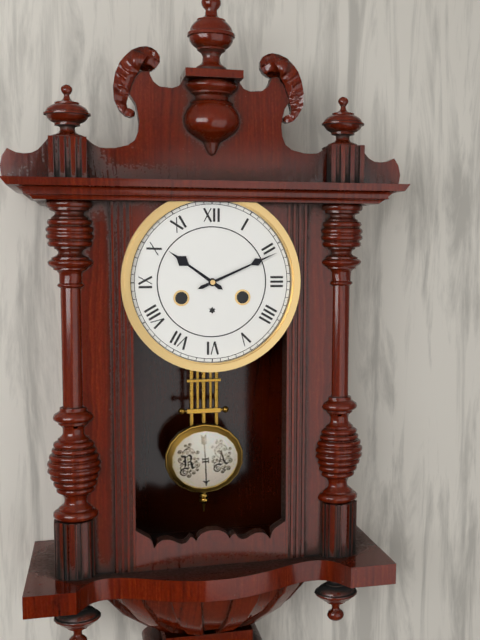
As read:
10,11
